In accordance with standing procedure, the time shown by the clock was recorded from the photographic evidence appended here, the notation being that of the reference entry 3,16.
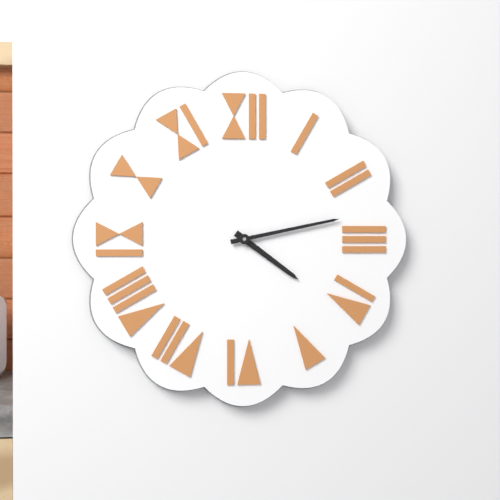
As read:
4,13
